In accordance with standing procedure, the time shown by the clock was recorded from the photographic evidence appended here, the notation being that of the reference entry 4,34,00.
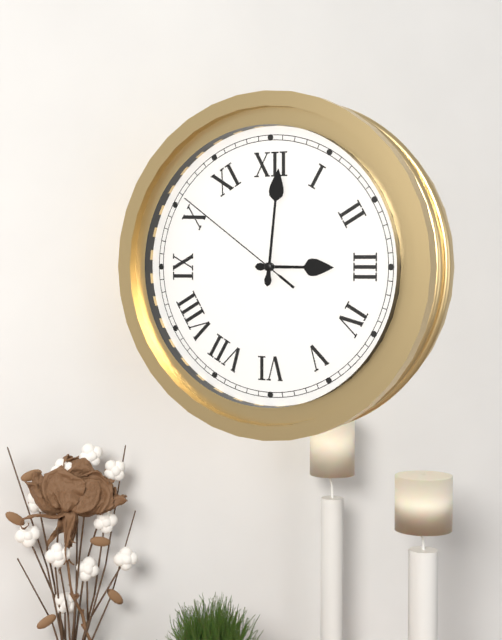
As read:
3,01,51
